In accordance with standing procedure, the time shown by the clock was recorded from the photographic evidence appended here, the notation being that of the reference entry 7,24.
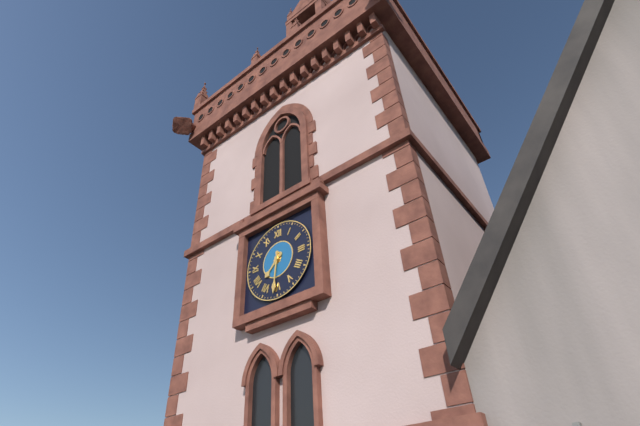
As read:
7,31
